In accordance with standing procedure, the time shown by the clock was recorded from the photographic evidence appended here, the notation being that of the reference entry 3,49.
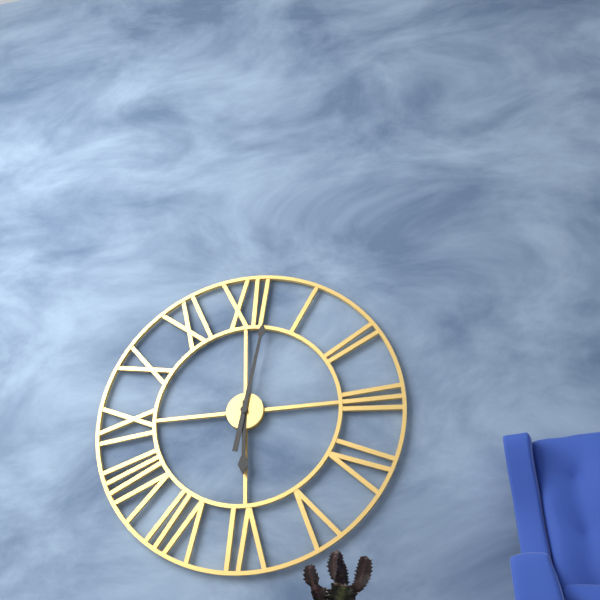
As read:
6,02
